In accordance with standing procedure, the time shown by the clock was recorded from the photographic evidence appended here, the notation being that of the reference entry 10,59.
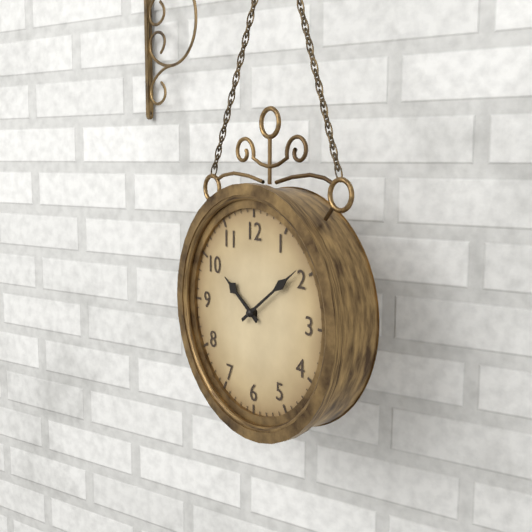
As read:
10,09
